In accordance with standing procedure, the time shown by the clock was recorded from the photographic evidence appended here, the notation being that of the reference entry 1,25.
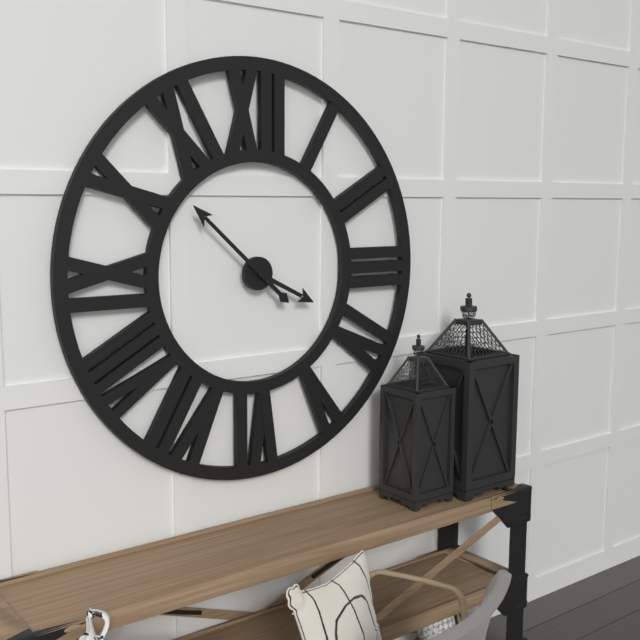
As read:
3,52
